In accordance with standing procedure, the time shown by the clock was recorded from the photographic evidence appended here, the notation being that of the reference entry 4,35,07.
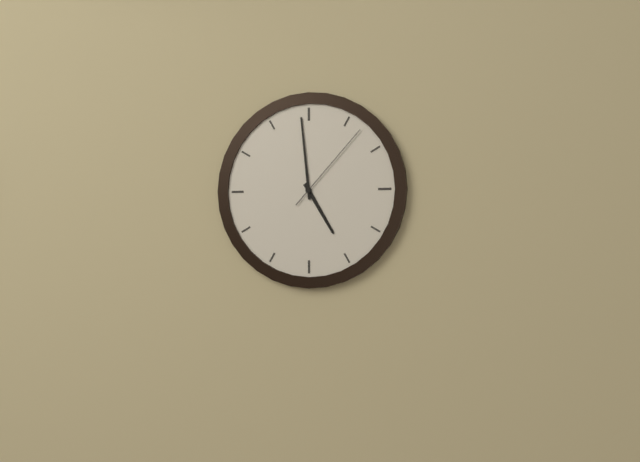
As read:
4,59,07
